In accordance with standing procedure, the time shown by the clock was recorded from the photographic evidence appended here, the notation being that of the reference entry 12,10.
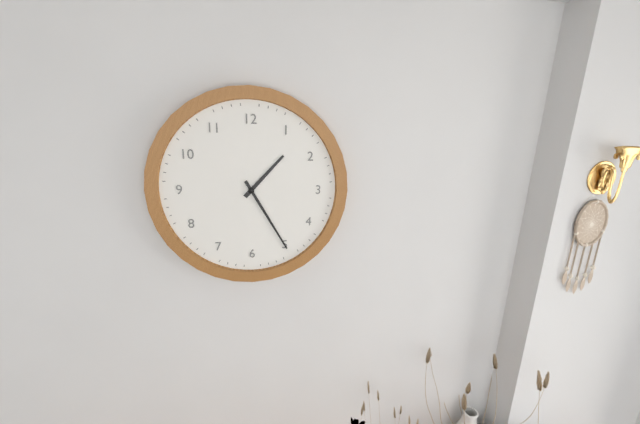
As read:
1,25
